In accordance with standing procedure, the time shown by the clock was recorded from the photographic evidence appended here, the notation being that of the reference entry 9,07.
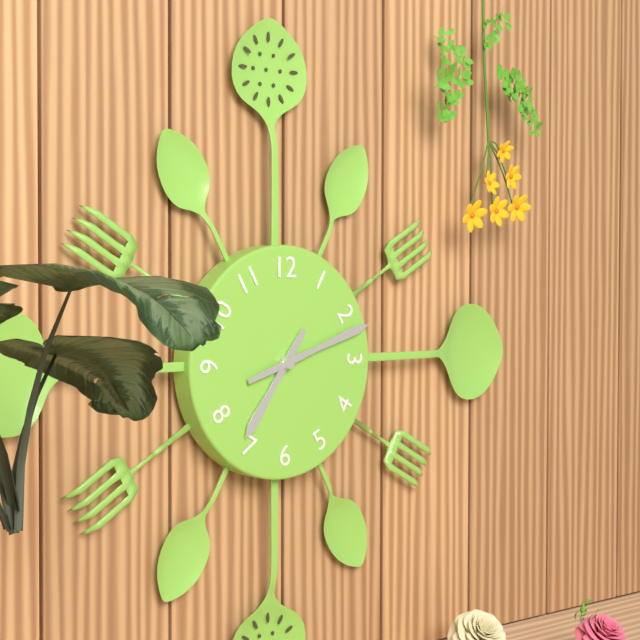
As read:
7,12
